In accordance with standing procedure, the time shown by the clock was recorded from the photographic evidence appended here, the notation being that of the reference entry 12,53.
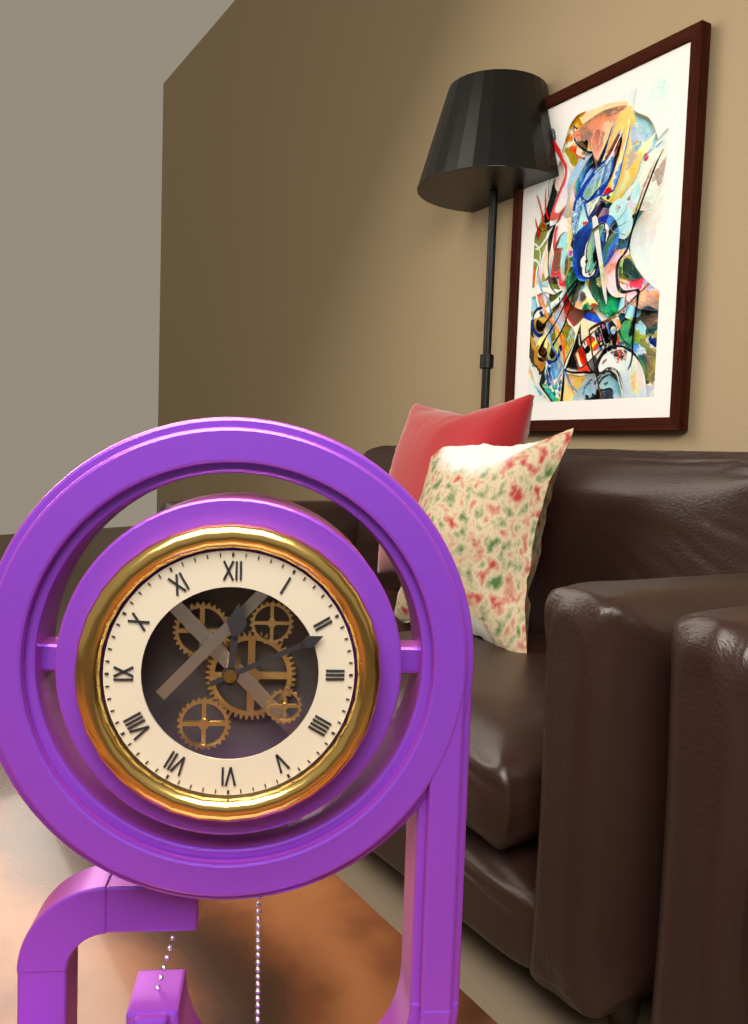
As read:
12,11
